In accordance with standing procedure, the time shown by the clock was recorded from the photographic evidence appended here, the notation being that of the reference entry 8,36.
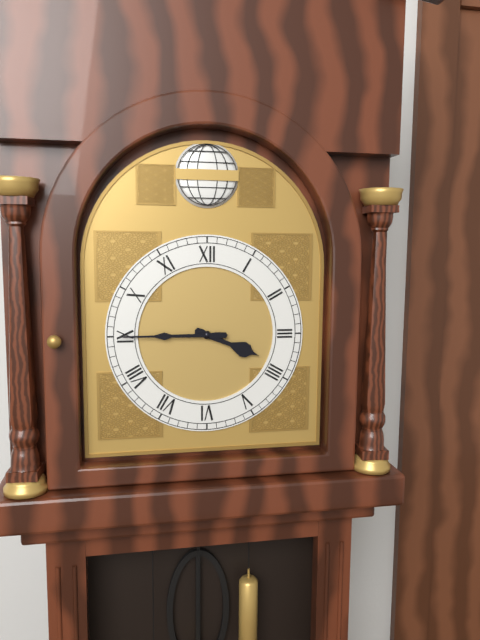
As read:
3,45
